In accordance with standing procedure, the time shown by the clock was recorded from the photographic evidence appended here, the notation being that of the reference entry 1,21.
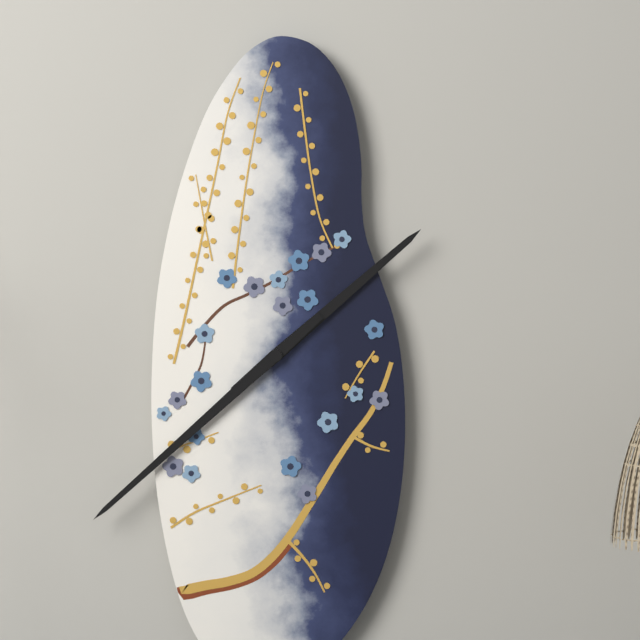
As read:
1,38
